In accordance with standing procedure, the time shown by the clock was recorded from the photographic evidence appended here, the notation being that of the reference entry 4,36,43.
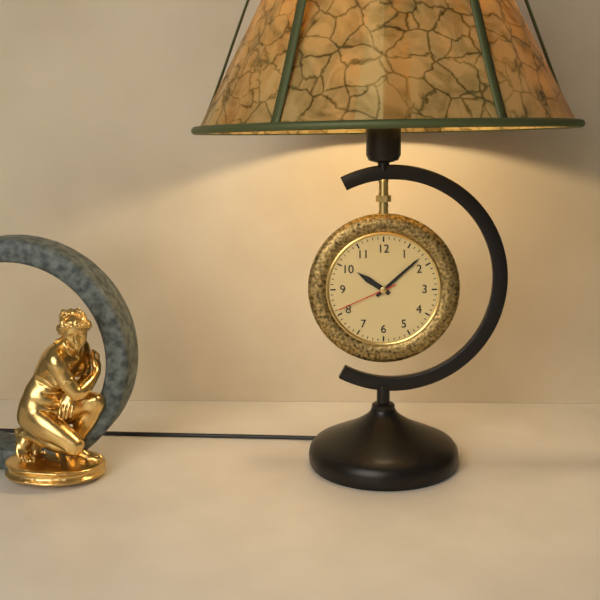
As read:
10,08,41
